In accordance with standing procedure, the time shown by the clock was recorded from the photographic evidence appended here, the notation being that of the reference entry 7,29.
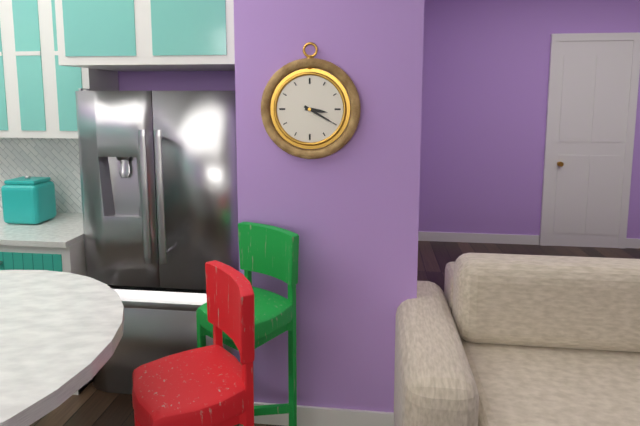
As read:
3,20
